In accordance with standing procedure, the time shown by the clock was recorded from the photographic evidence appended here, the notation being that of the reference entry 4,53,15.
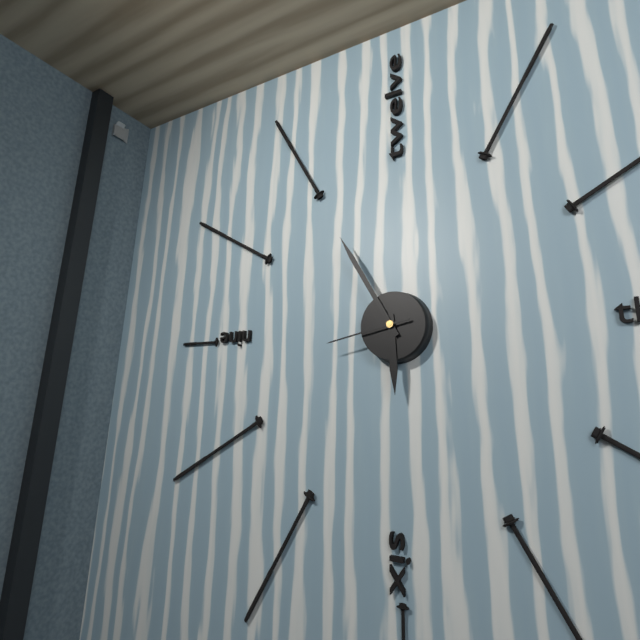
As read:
5,55,43
